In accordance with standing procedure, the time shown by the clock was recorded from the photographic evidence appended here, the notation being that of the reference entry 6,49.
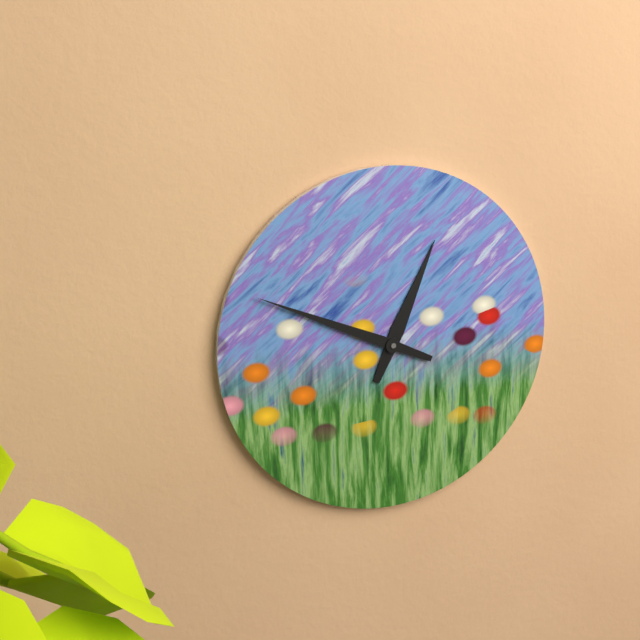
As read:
12,49
